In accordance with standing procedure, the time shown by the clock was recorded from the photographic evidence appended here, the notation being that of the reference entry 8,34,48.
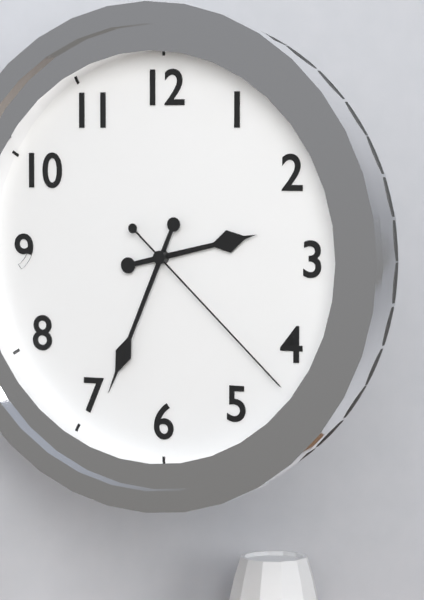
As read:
2,34,22
